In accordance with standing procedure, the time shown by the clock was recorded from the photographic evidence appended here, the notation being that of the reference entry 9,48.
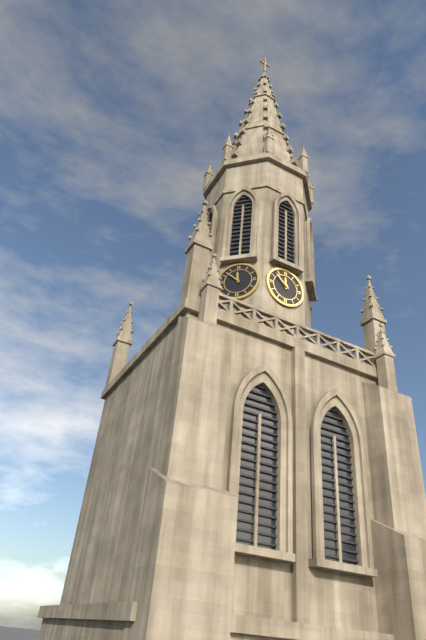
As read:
11,52
